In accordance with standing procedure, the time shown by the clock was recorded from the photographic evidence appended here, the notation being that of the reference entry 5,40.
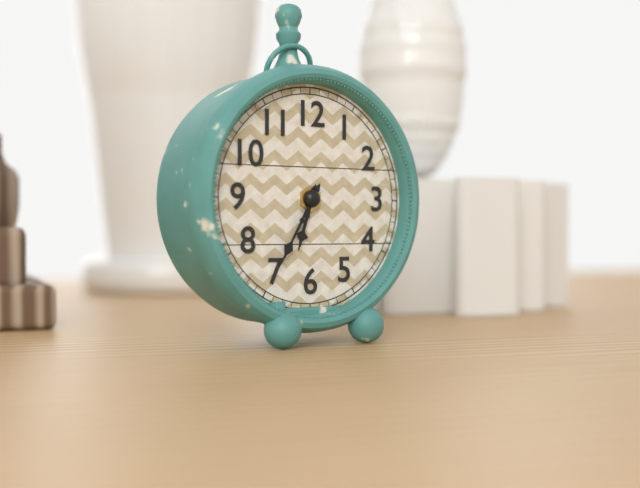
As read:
6,35
